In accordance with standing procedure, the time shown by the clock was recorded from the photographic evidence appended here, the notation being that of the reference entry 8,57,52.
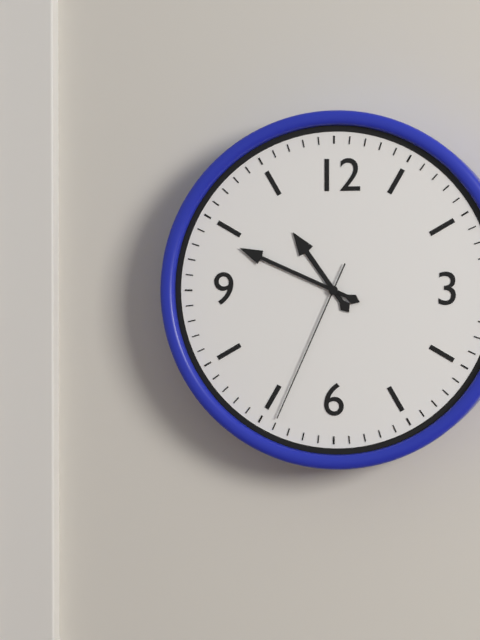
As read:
10,49,34
